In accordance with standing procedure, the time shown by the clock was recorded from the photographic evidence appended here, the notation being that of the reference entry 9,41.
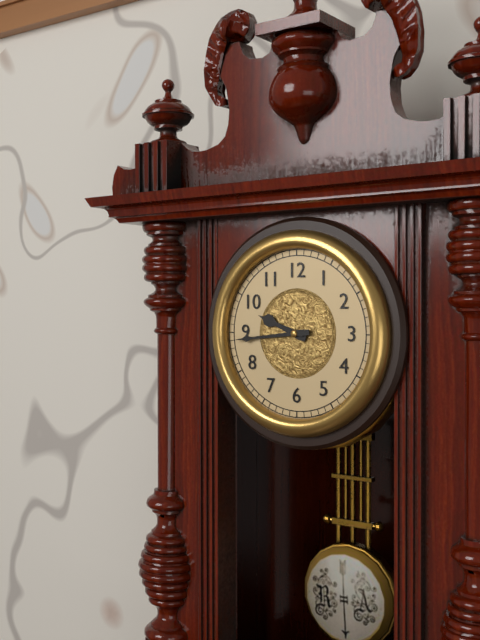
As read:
9,44
